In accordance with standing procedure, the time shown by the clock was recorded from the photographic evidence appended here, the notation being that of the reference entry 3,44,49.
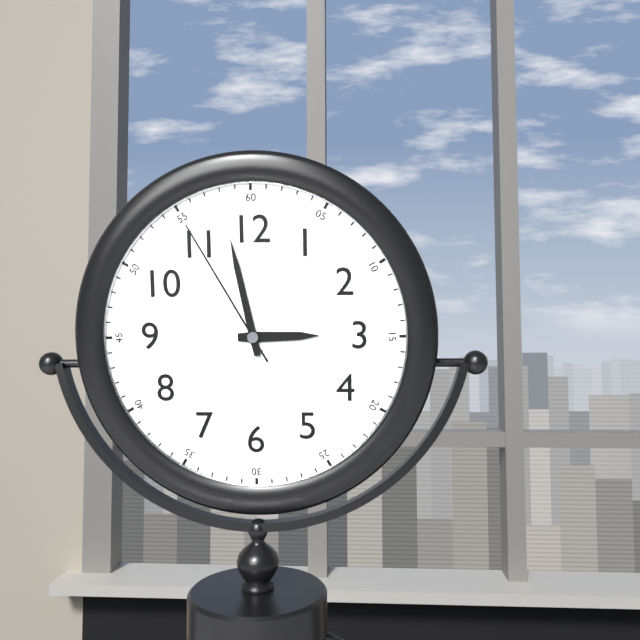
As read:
2,58,55
